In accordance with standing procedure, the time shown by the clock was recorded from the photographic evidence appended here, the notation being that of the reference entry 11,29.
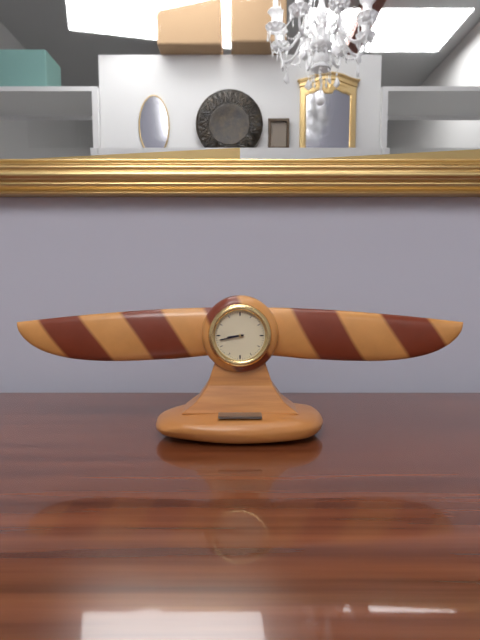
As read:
8,43
